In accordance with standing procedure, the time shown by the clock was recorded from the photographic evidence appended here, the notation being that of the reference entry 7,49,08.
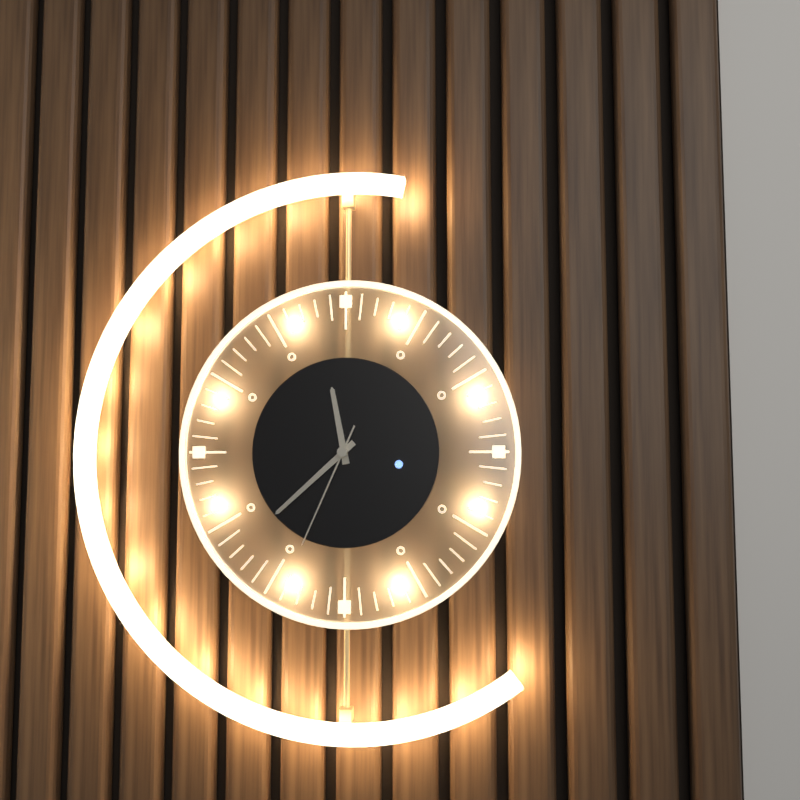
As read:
11,38,34
